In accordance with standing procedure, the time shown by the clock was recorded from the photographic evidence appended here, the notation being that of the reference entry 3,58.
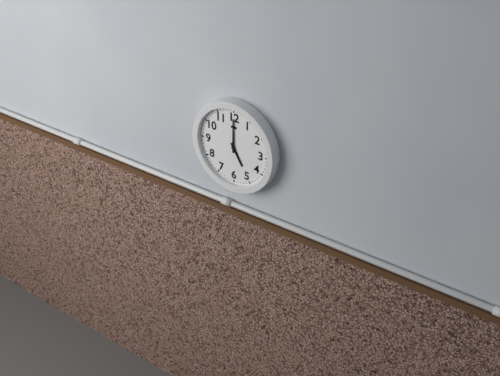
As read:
5,00
